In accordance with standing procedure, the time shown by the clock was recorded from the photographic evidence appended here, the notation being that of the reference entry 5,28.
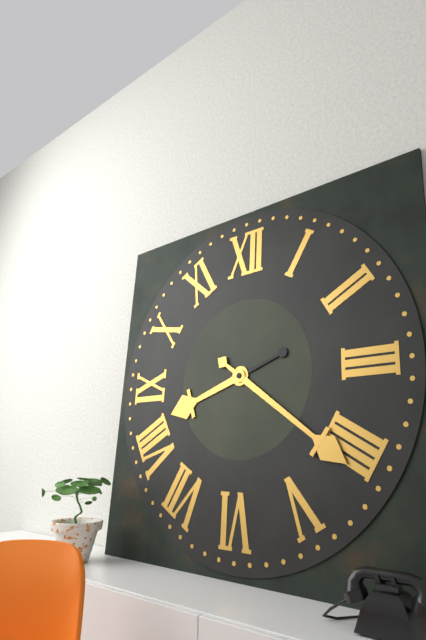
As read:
8,21
